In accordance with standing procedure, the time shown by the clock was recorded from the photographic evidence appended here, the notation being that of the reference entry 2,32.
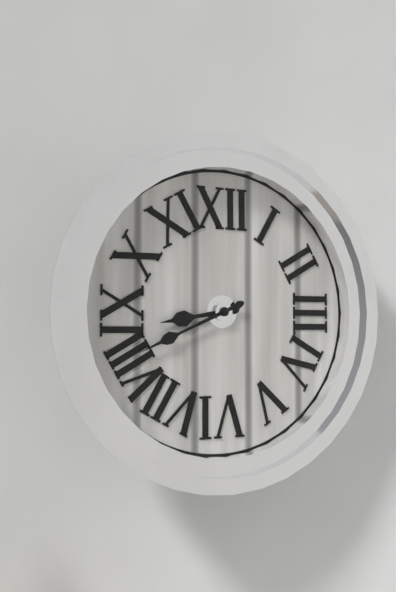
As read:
8,41
